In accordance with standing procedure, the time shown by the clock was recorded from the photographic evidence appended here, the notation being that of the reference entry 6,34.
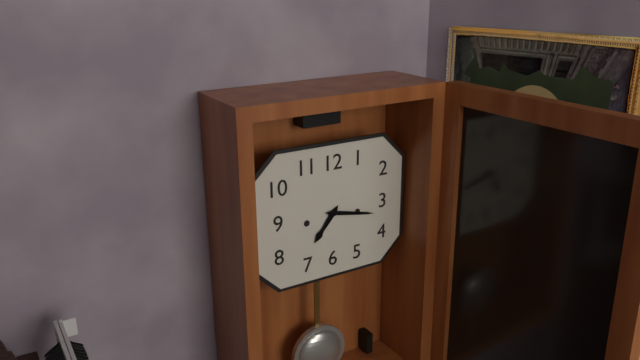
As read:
7,17
